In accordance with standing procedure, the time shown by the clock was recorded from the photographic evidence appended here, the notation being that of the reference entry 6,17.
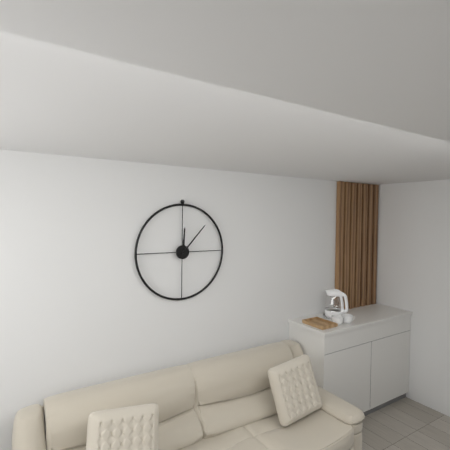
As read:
12,07
